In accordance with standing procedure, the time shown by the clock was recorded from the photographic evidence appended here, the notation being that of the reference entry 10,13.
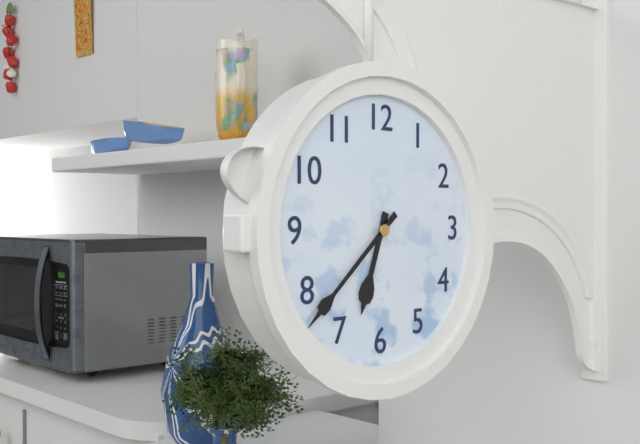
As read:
6,38
